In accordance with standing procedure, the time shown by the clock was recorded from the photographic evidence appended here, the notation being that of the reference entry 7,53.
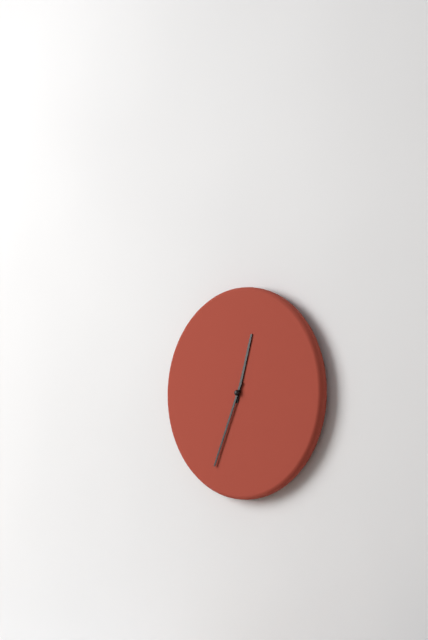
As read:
12,34
